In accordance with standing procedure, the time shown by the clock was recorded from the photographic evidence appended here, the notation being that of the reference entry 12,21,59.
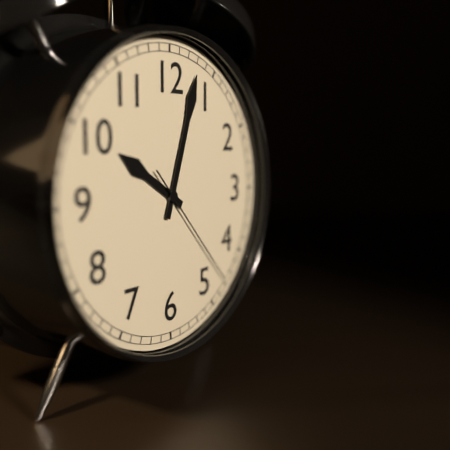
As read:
10,03,23
